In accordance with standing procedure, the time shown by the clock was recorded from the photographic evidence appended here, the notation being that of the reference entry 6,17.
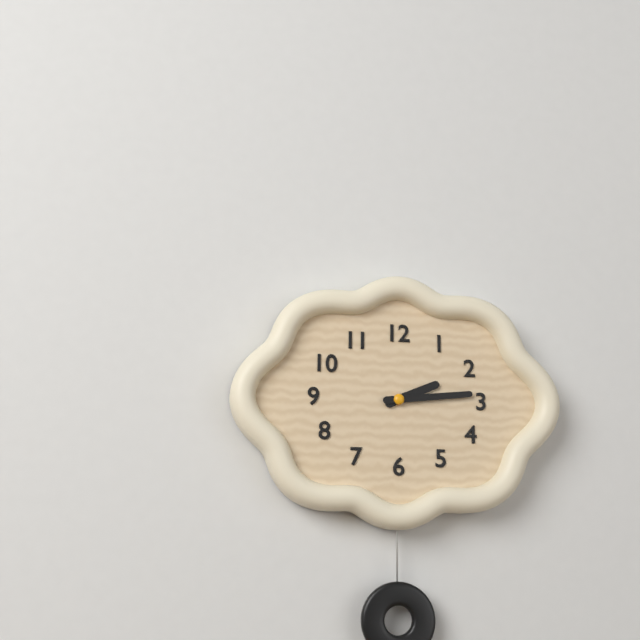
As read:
2,14
